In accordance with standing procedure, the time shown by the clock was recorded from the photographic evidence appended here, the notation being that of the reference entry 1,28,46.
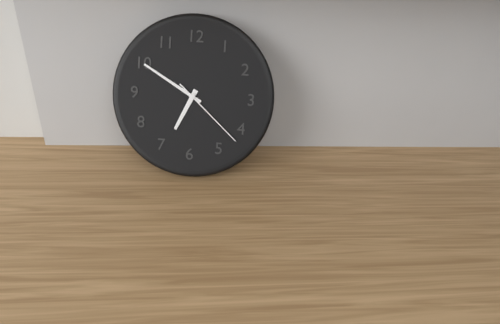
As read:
6,50,22
